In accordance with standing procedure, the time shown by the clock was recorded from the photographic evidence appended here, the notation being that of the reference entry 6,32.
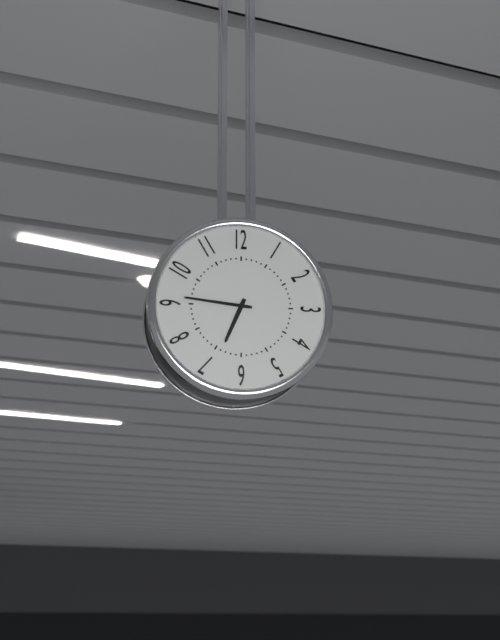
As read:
6,46
